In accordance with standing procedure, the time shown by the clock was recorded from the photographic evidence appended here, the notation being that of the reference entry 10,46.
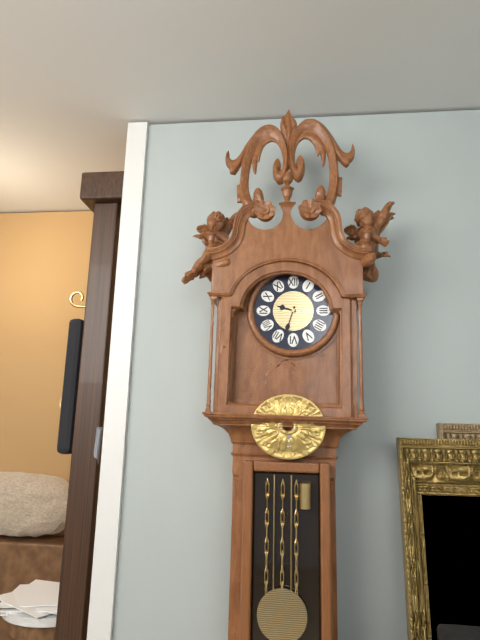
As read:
9,33
